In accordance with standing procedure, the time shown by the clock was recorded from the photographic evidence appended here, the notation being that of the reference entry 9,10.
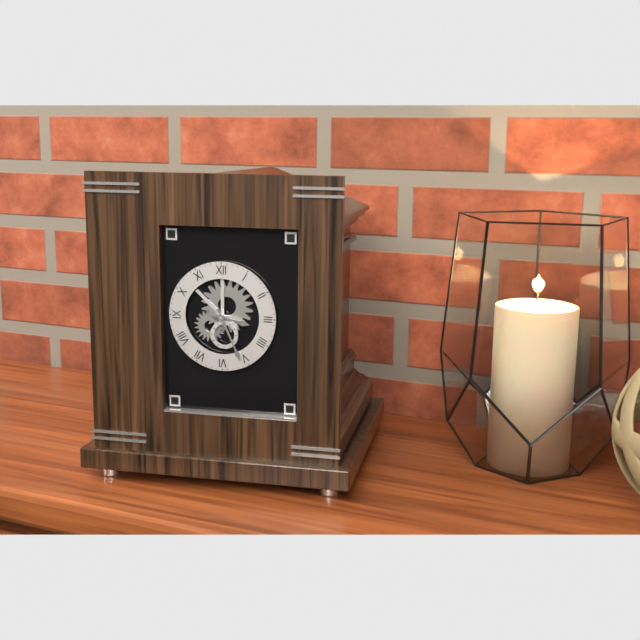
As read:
3,26
